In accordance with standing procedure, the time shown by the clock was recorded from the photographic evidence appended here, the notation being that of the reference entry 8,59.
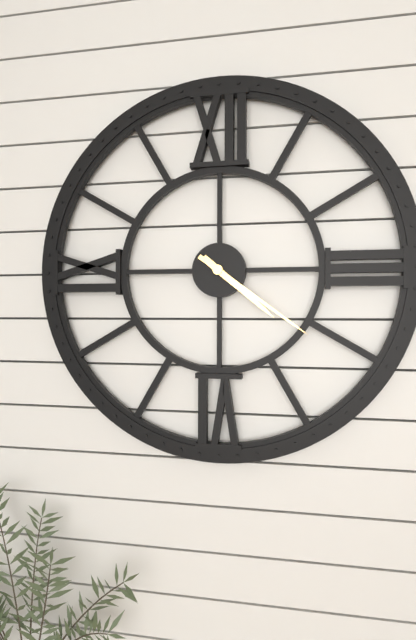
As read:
4,21
